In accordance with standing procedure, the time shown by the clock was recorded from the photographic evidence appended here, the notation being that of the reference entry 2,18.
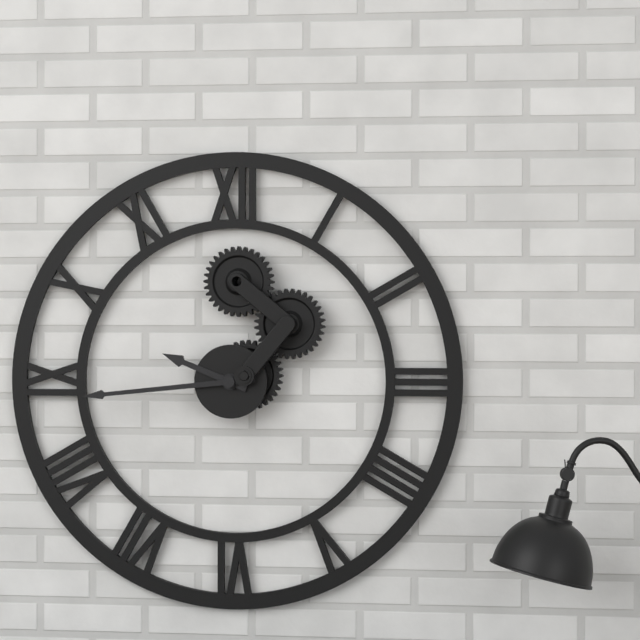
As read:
9,44
